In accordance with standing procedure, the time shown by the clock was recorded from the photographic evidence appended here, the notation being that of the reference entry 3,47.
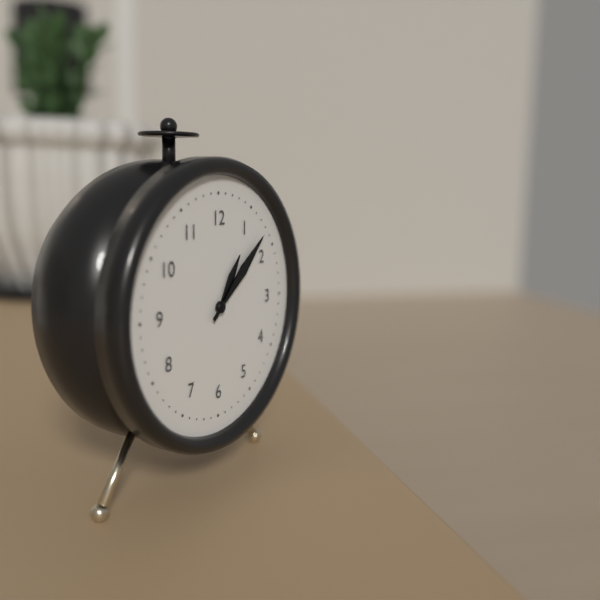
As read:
1,08
